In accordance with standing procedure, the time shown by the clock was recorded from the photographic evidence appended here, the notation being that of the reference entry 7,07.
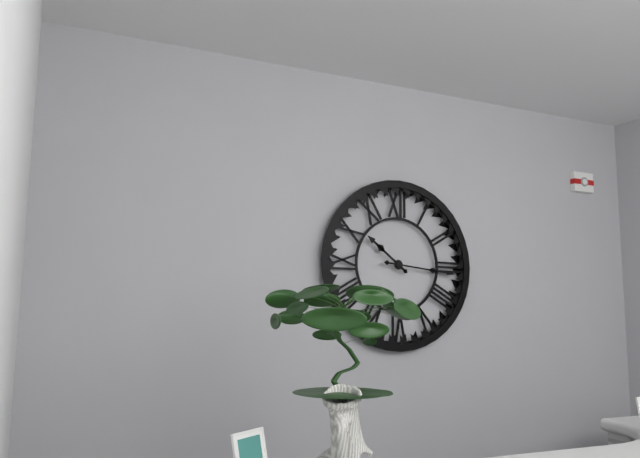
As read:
10,16
